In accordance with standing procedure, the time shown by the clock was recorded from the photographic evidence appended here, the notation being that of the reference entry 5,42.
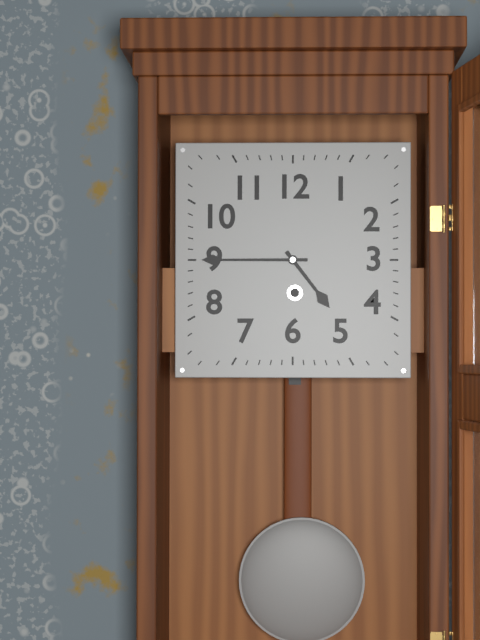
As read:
4,45
